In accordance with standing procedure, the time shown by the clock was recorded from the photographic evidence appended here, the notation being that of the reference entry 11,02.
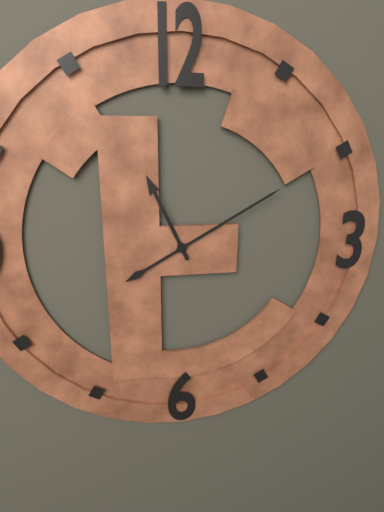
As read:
11,10
